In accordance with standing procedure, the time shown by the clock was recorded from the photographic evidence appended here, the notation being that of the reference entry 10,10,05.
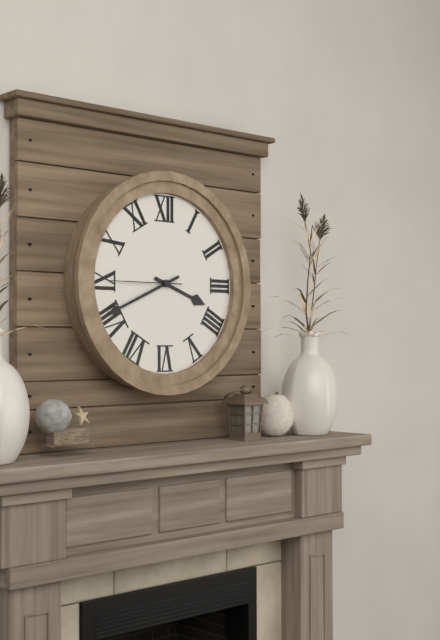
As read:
3,41,45
